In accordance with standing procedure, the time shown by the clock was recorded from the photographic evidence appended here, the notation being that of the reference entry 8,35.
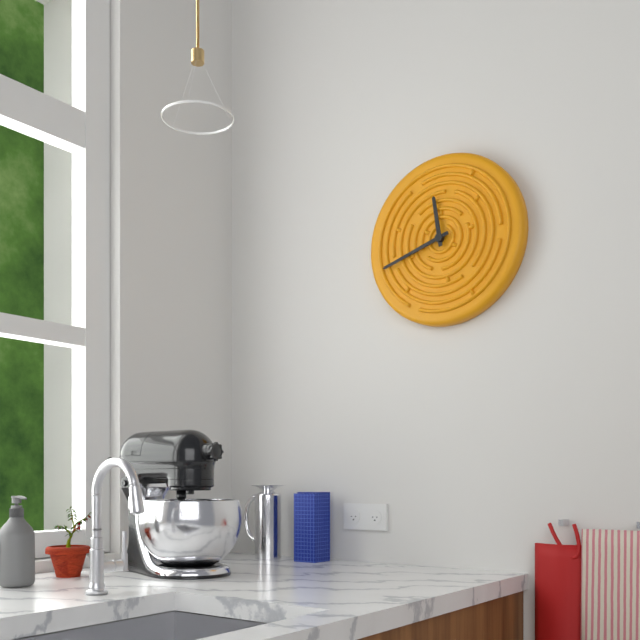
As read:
11,42
